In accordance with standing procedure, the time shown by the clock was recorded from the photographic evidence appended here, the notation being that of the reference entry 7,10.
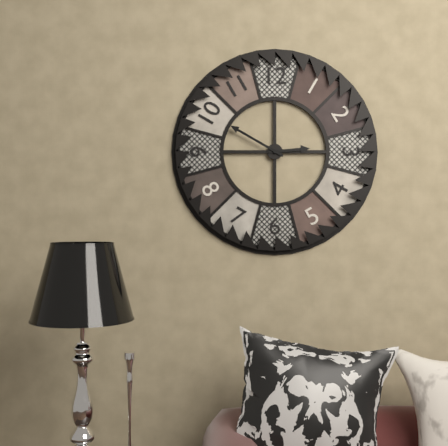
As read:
2,50
